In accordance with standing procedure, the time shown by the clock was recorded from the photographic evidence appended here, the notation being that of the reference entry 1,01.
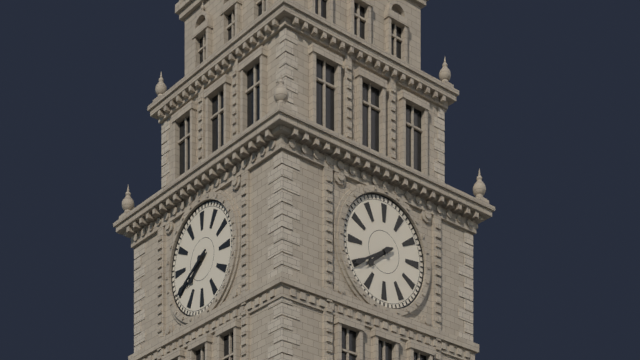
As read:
7,40
